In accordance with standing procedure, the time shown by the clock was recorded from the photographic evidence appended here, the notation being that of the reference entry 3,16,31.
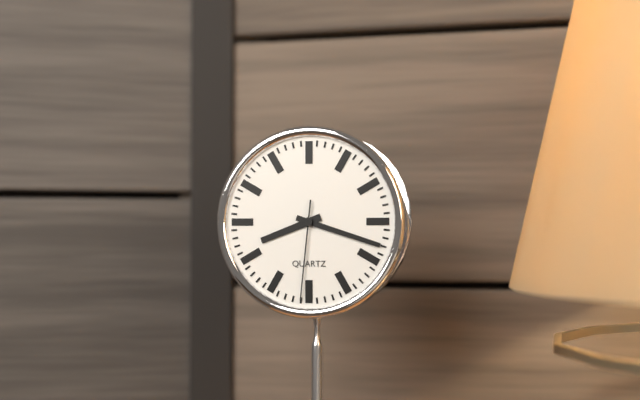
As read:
8,18,31
